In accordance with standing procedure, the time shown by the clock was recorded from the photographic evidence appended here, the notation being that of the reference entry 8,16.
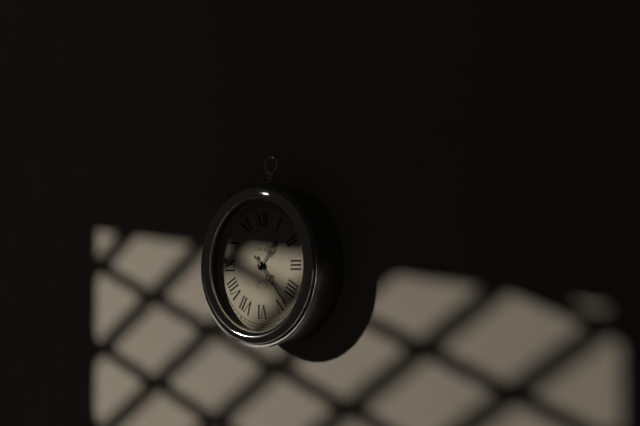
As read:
1,23
